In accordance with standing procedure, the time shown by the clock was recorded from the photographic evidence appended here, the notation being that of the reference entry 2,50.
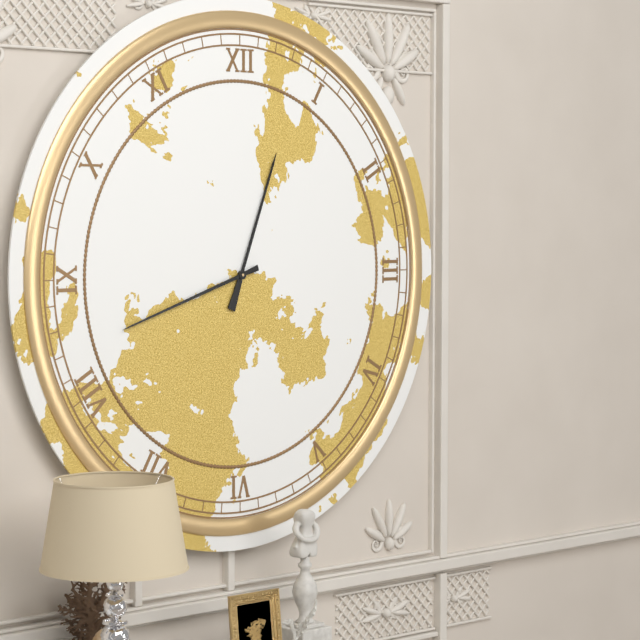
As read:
12,42
